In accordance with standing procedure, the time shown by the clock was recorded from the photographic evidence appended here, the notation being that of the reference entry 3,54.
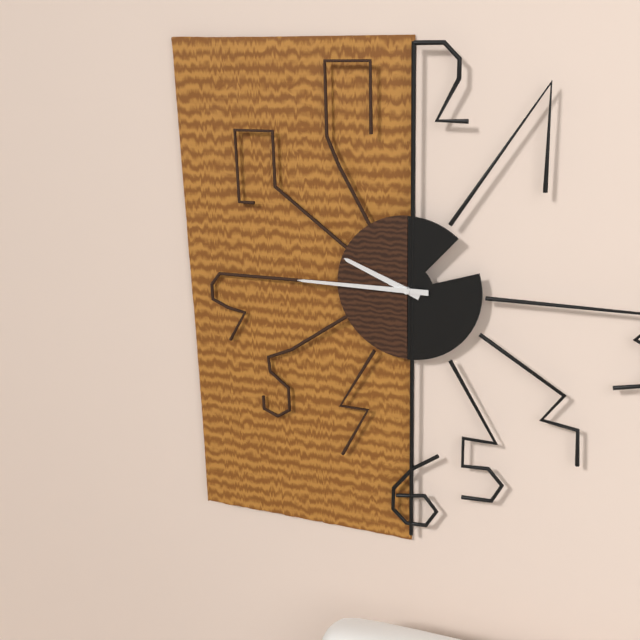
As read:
9,45
